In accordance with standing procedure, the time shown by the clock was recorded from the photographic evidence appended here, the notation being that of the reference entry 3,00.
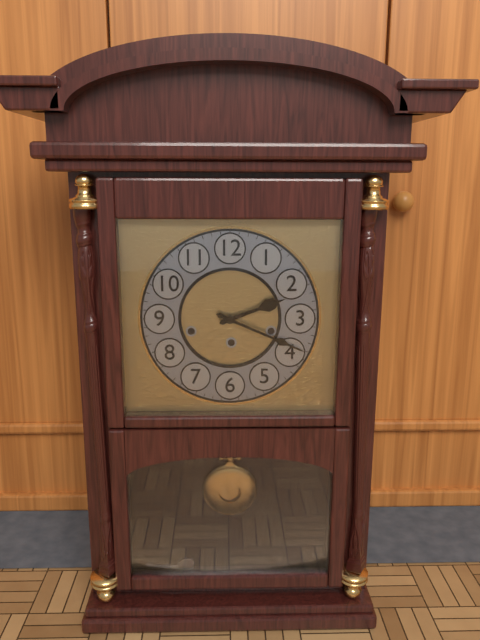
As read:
2,19
